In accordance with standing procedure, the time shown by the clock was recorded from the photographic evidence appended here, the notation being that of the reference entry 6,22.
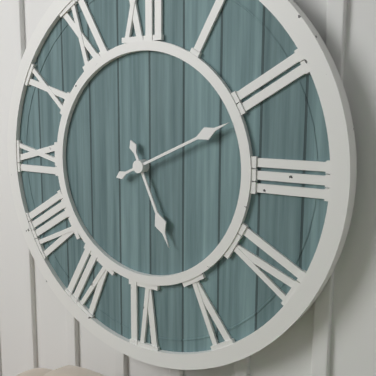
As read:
5,11
